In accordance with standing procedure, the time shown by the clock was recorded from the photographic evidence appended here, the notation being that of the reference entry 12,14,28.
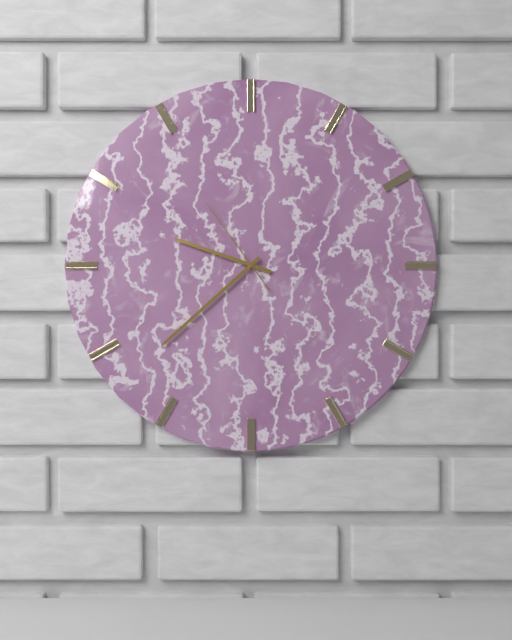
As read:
9,38,54
